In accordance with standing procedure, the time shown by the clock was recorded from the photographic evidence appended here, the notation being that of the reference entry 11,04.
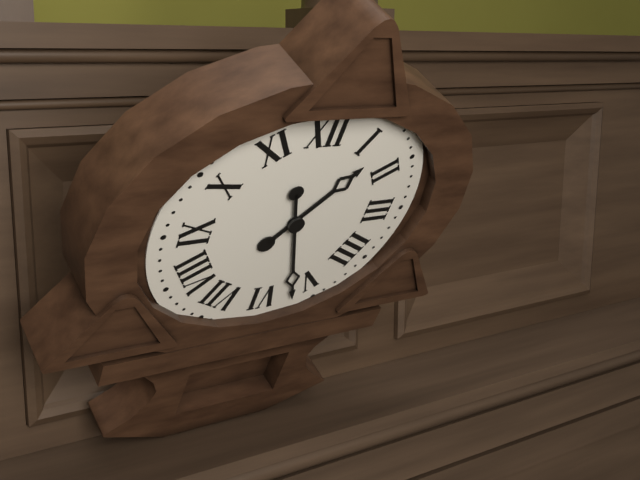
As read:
1,27
